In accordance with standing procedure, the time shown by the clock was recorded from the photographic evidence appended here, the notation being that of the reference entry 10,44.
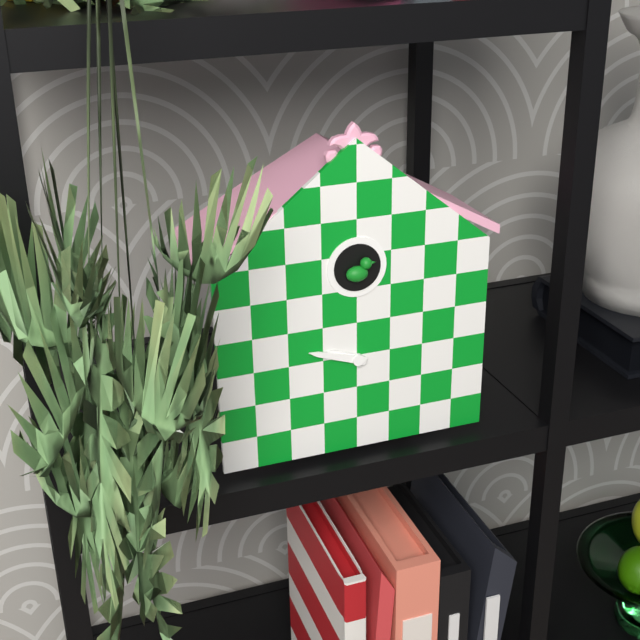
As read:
9,48
